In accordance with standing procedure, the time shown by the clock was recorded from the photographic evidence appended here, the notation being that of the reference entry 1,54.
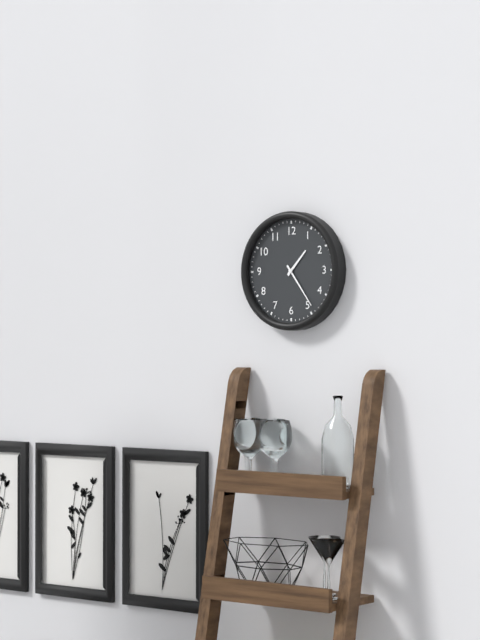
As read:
1,24
